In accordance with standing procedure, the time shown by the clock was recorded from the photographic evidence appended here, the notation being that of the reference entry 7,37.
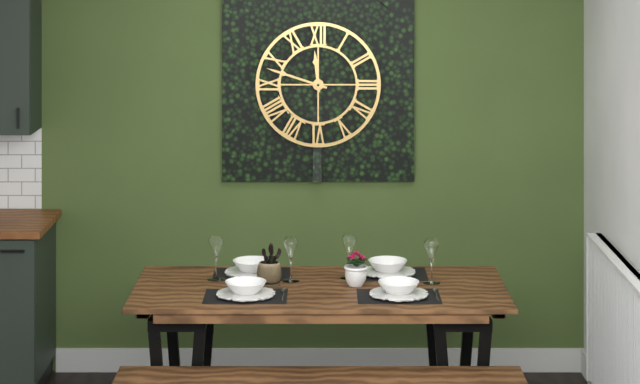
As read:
11,48
